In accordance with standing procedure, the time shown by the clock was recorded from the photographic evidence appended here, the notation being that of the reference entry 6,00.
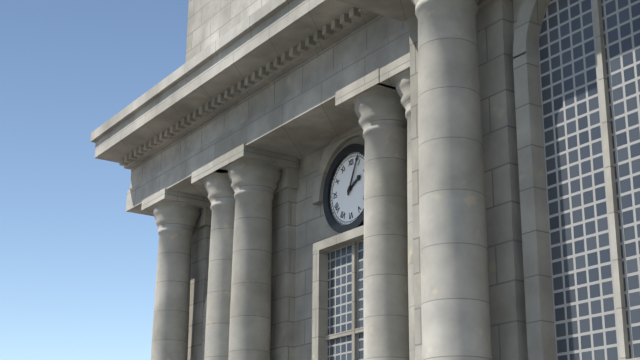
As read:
2,04
